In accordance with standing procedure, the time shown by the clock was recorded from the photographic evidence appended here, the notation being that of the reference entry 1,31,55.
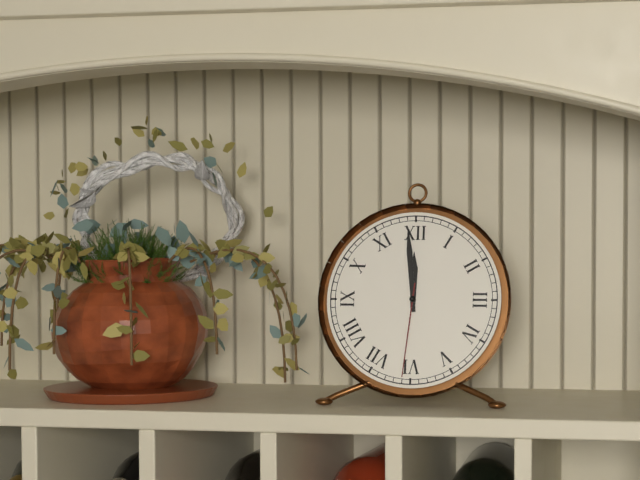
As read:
11,59,31
